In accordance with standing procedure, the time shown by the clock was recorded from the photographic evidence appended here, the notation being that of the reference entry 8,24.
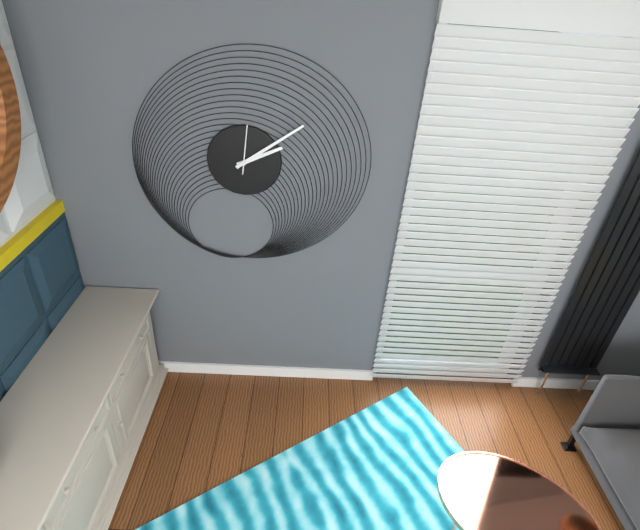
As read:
2,09
